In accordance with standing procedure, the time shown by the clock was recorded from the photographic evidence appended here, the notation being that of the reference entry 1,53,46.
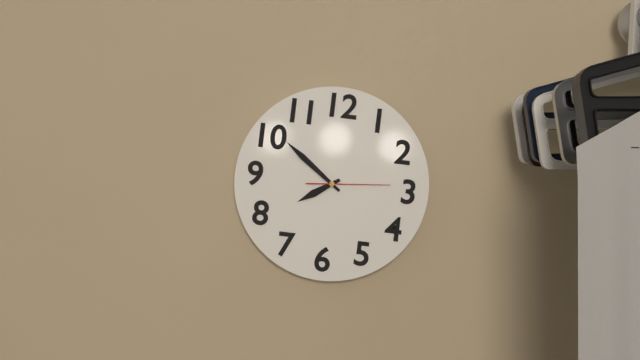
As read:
7,51,14
